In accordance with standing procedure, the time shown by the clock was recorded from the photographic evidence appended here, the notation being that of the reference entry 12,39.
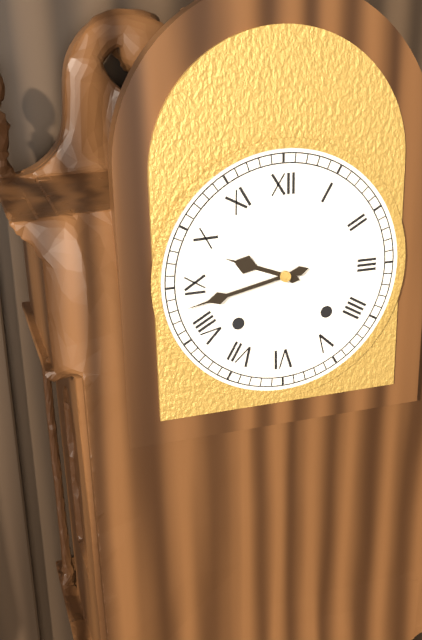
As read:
9,43
